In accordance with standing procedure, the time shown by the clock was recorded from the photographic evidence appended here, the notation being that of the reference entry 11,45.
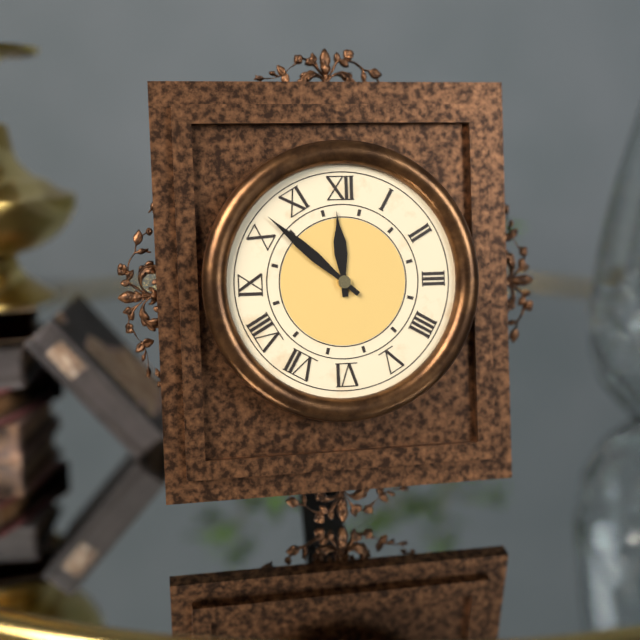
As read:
11,52
